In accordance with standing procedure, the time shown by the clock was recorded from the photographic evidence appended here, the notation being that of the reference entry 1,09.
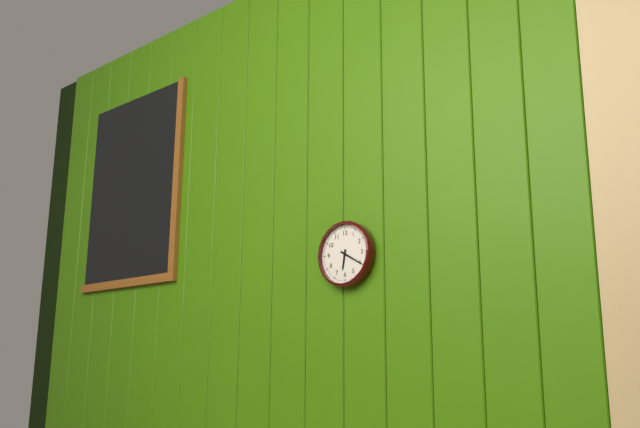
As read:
6,20
